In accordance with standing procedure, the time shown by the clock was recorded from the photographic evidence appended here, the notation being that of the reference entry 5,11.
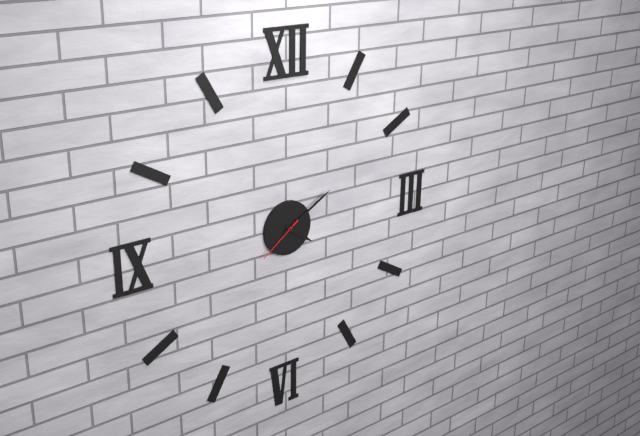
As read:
4,10
